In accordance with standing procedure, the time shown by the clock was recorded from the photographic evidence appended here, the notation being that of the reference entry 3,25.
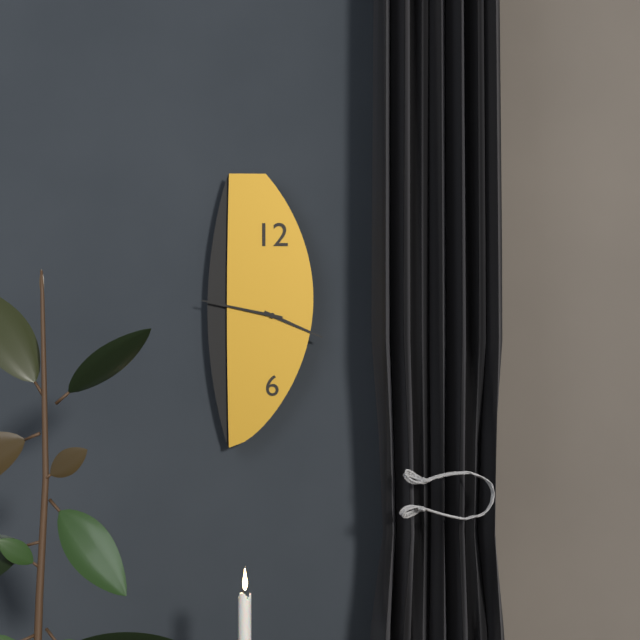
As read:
3,47
